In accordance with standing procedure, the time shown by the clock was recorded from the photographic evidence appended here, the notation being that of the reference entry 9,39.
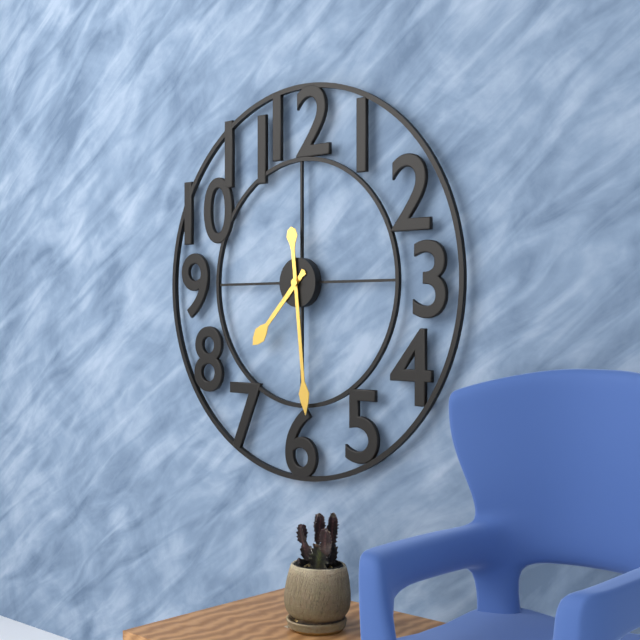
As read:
7,29
